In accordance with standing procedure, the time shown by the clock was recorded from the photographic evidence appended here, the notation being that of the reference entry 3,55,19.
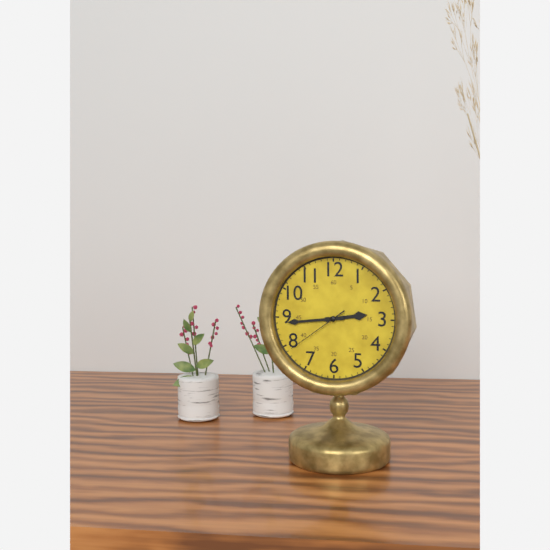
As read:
2,44,39
